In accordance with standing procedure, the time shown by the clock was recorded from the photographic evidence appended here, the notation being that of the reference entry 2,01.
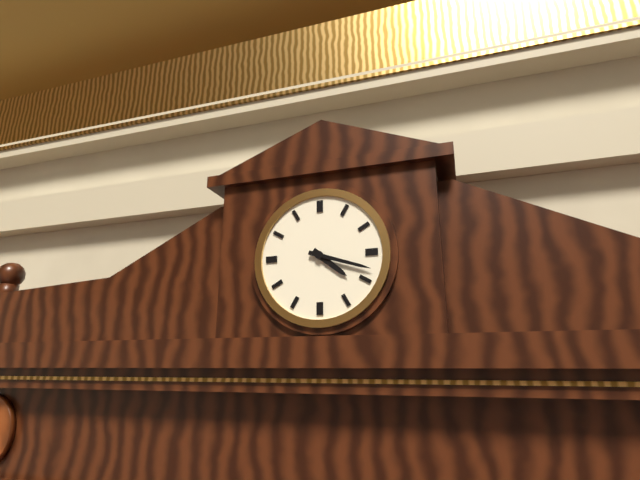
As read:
4,18
